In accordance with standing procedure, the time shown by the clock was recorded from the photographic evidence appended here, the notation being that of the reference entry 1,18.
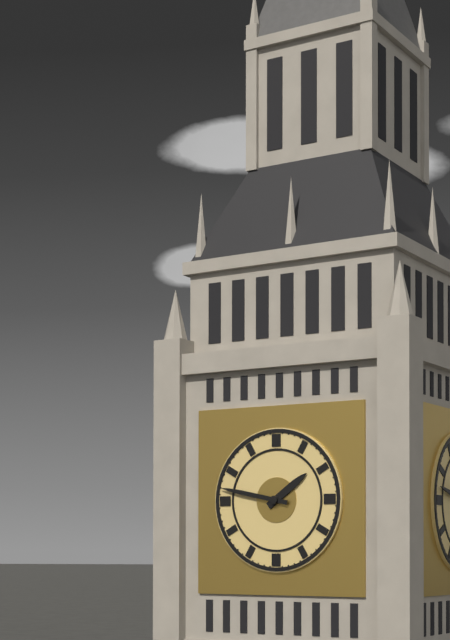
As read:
1,47
